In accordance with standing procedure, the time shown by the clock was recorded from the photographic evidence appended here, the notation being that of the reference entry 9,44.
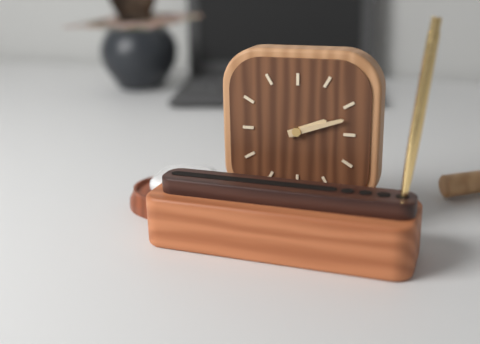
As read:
2,12
